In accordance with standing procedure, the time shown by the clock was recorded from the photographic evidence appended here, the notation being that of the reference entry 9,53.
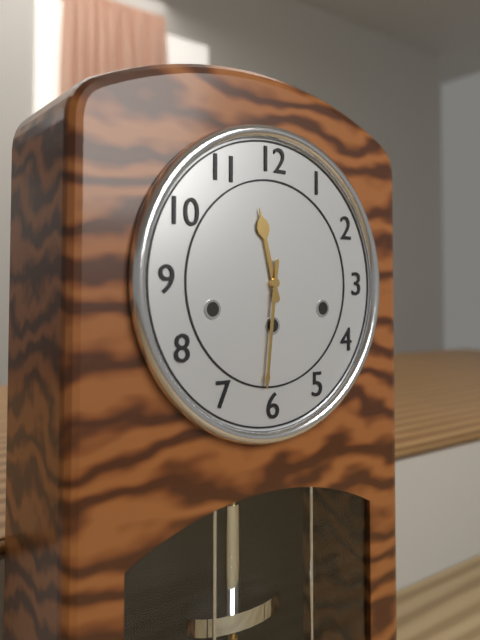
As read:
11,31
